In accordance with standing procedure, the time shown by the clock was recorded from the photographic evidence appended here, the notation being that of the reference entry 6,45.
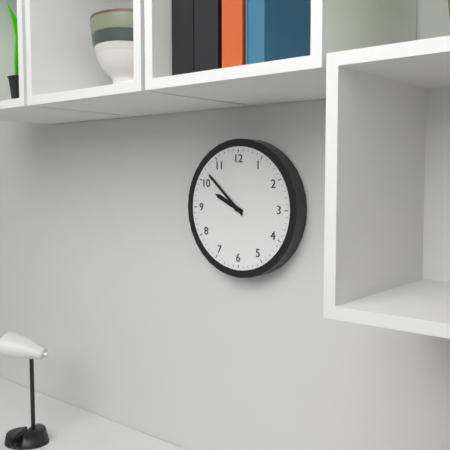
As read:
9,52
